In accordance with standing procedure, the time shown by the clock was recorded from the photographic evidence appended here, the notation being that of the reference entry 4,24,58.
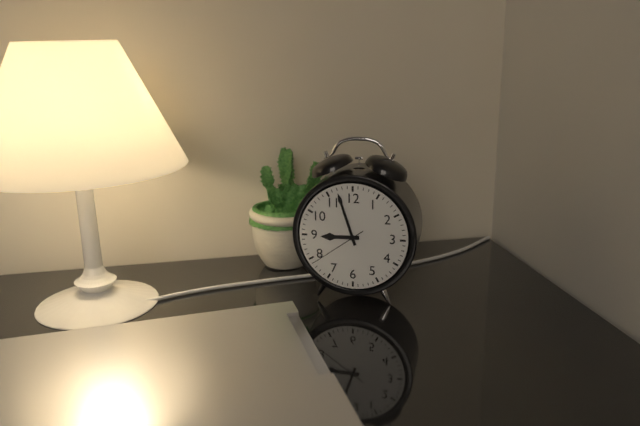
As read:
8,57,39
